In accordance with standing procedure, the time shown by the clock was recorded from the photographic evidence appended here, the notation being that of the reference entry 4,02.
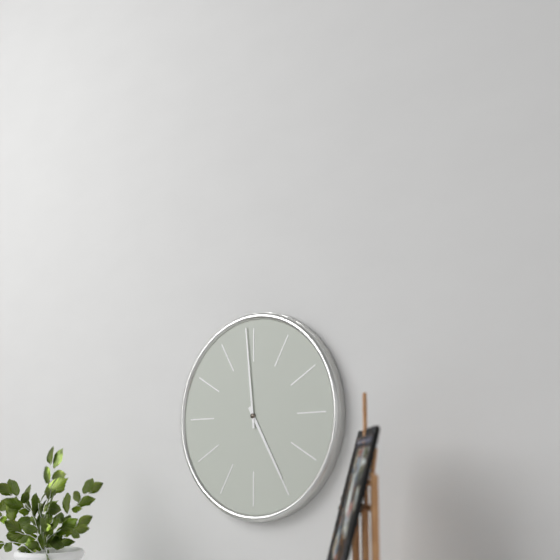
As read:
4,59
